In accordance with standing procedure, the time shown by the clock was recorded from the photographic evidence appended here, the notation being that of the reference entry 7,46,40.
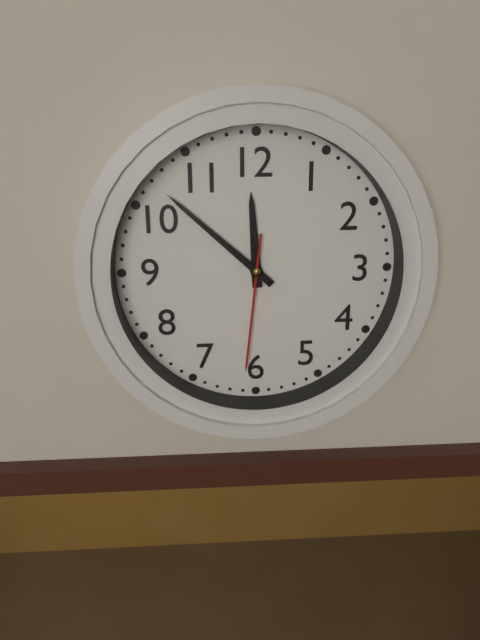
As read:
11,52,31
